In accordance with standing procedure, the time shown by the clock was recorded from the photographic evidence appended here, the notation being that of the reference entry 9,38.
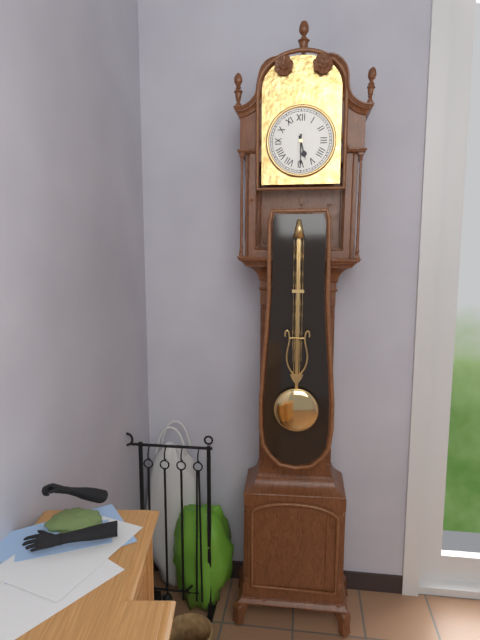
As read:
5,30
